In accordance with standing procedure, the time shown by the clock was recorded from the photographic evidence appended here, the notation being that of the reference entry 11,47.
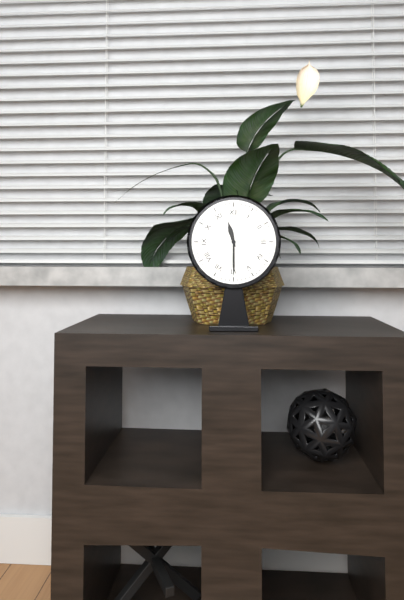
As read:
11,30
